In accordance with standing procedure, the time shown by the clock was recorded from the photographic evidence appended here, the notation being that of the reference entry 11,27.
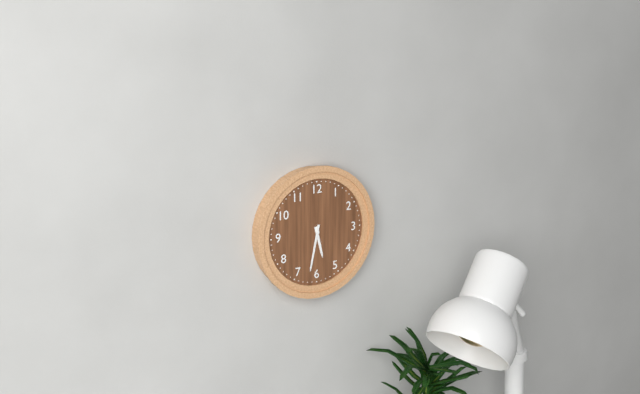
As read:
5,32
